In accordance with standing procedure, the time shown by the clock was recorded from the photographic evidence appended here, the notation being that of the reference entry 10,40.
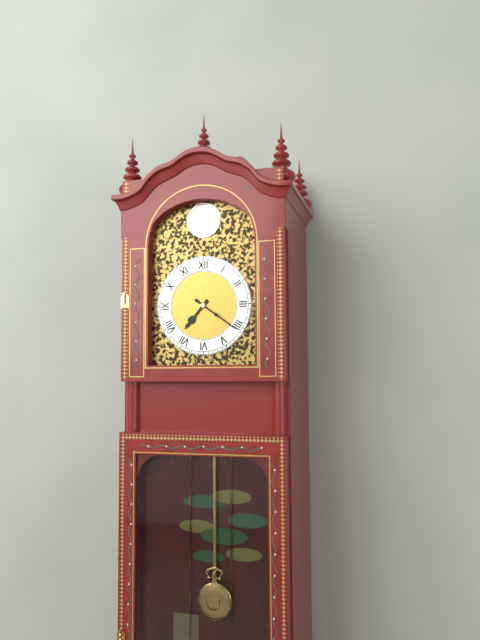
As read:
7,21
